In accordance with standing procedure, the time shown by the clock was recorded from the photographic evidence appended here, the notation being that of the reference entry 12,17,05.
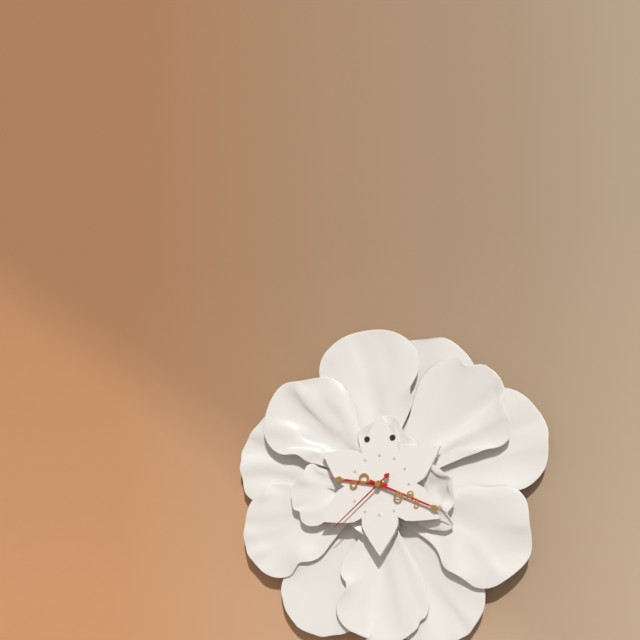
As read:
9,19,38
